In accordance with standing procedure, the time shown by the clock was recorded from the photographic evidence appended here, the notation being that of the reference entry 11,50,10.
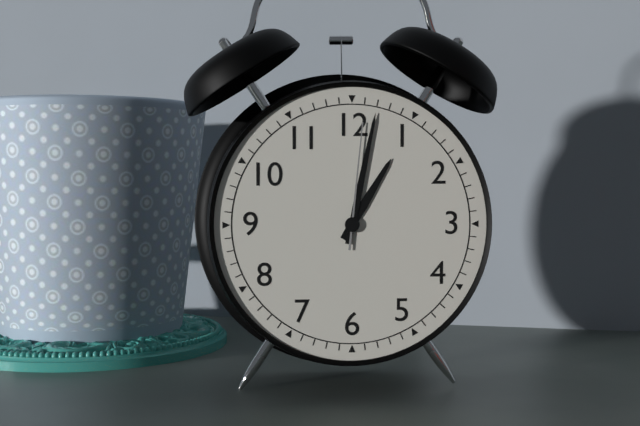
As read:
1,02,01
